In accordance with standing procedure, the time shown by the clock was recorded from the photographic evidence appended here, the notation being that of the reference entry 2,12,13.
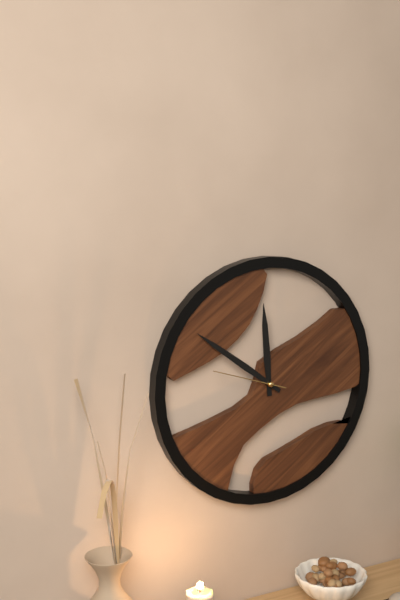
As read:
11,51,48
